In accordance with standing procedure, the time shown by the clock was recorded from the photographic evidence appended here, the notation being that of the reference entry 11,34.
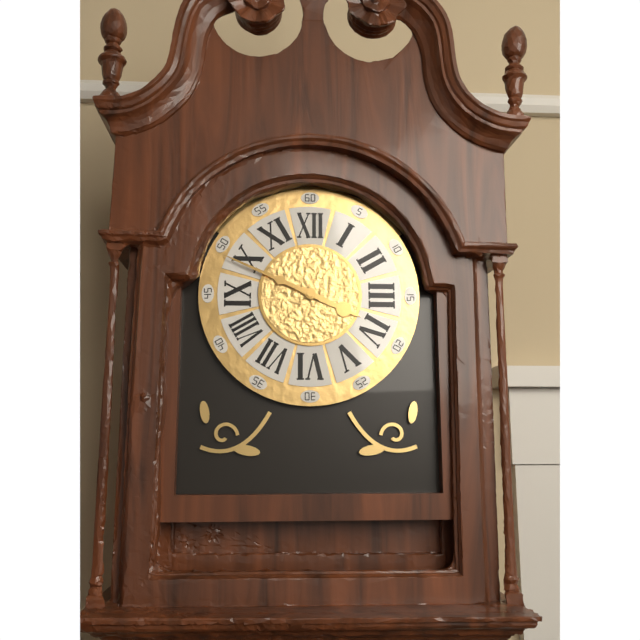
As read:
3,49
